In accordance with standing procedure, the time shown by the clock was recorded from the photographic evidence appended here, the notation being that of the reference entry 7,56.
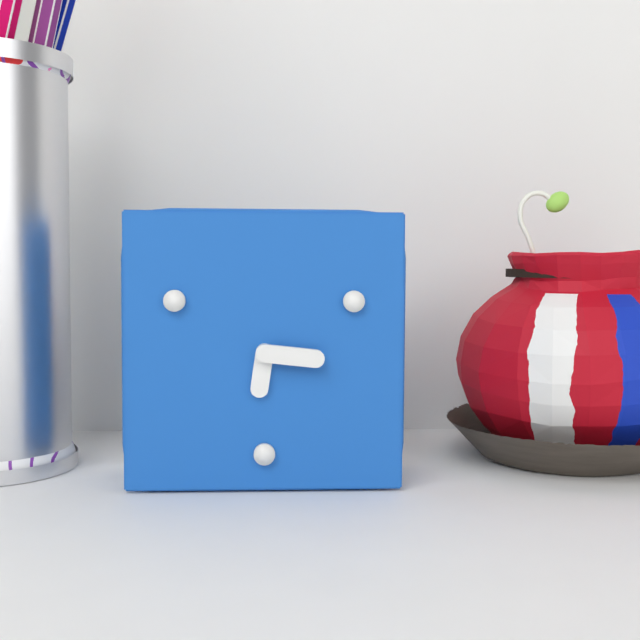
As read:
6,16
